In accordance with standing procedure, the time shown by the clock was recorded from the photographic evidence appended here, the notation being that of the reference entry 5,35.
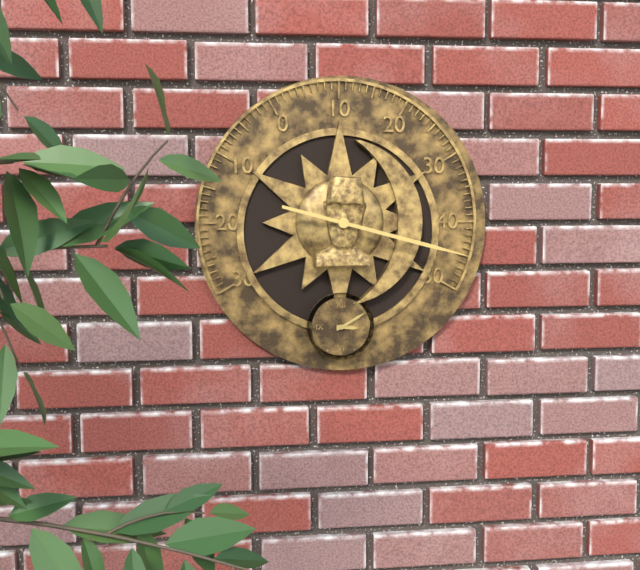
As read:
3,10
